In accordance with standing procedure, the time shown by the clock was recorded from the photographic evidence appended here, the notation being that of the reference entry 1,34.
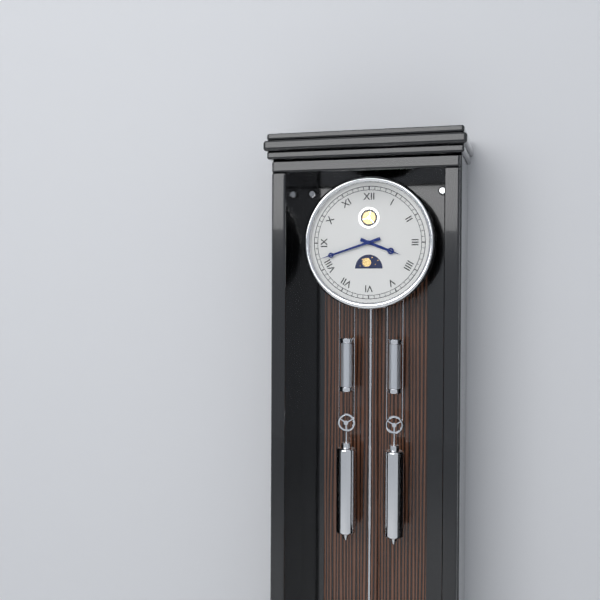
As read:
3,42
